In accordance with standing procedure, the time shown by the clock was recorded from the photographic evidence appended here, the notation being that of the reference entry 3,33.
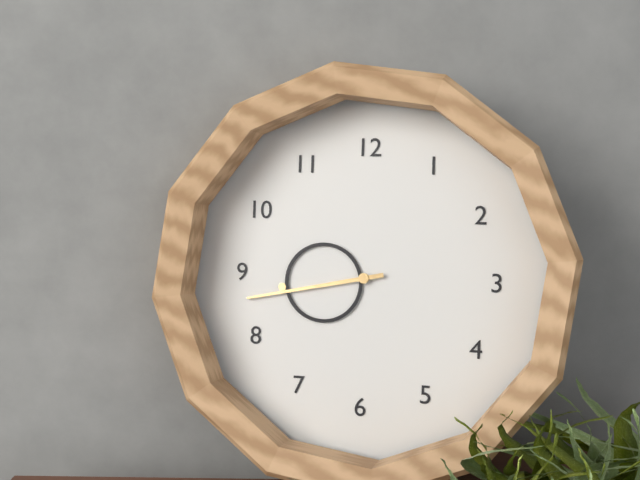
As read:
8,43
